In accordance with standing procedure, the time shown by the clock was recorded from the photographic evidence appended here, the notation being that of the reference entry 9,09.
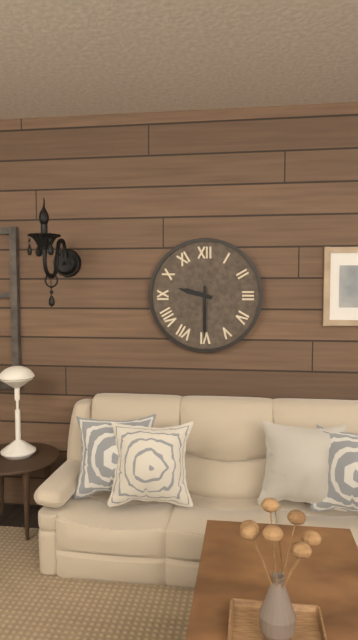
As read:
9,30
